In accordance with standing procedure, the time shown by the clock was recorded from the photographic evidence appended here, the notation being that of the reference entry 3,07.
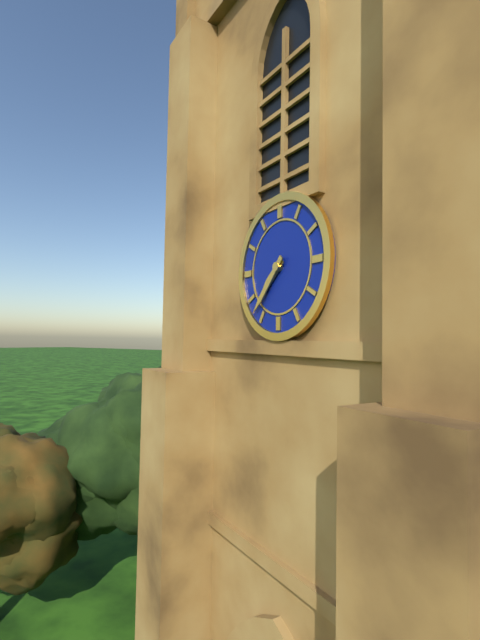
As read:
7,37
